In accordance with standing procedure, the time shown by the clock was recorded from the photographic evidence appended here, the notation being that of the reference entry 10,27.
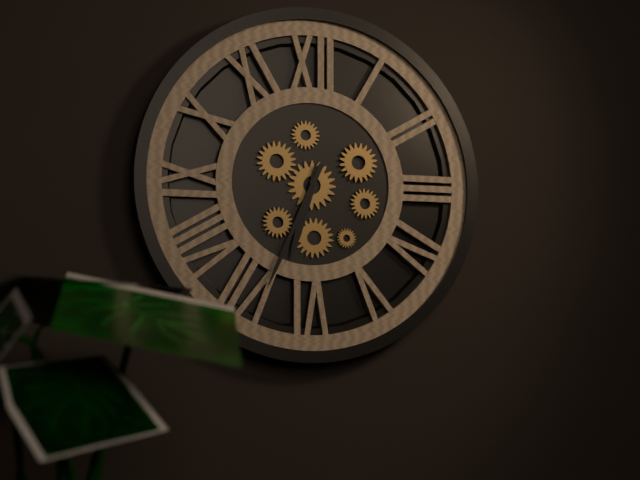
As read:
6,34
